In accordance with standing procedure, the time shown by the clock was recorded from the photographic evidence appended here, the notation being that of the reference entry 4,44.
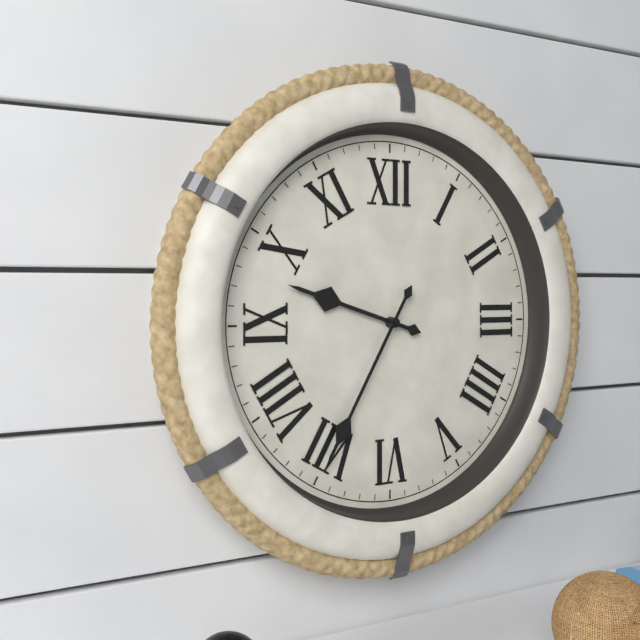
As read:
9,35
